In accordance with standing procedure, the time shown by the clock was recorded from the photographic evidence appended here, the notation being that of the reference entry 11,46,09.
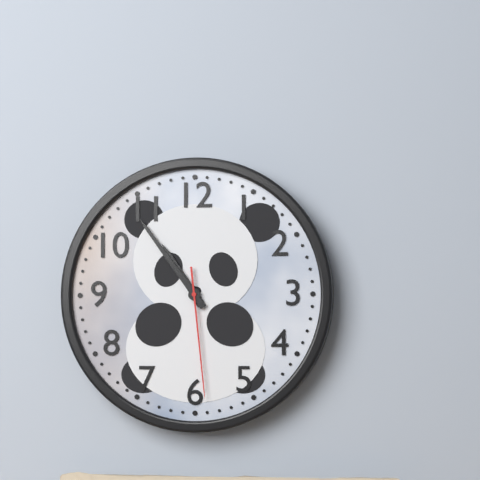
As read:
10,54,29
